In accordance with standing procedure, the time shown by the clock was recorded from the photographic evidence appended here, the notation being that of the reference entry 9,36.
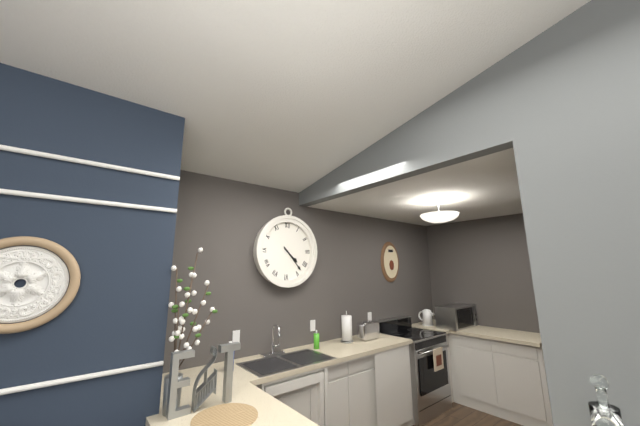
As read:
4,23
